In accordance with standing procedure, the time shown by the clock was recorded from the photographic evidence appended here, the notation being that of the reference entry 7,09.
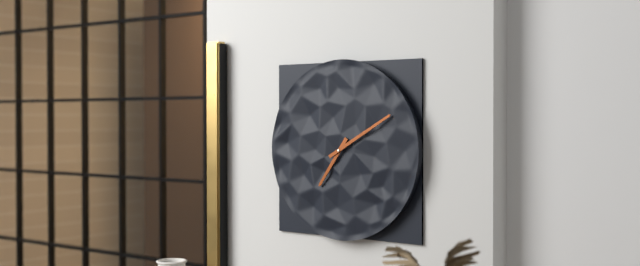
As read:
7,10
